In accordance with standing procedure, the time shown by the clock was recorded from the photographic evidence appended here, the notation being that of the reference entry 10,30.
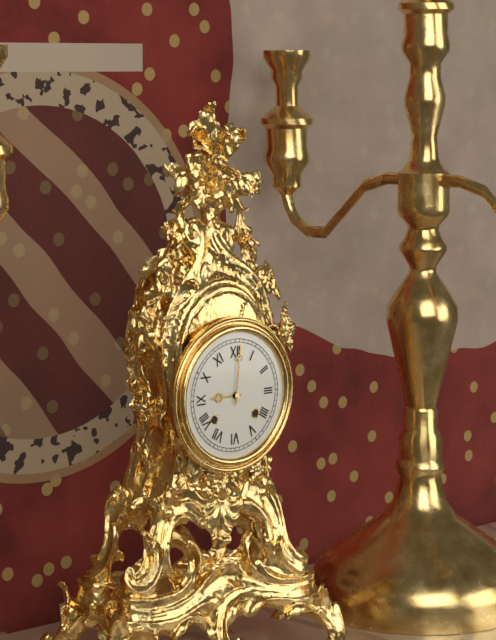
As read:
9,01
